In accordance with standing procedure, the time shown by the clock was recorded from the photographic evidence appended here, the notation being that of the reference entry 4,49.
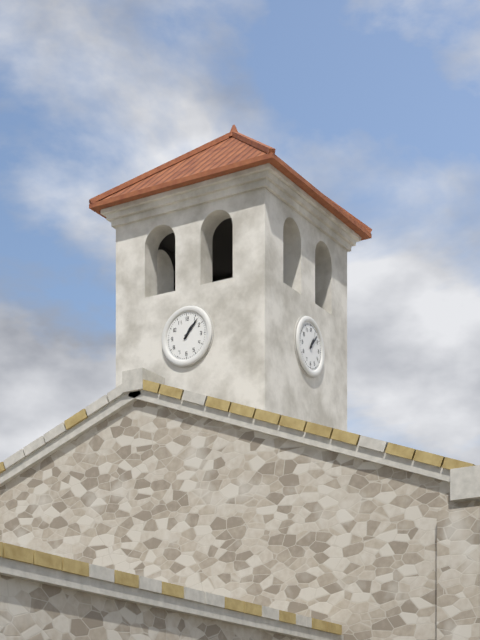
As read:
1,07
